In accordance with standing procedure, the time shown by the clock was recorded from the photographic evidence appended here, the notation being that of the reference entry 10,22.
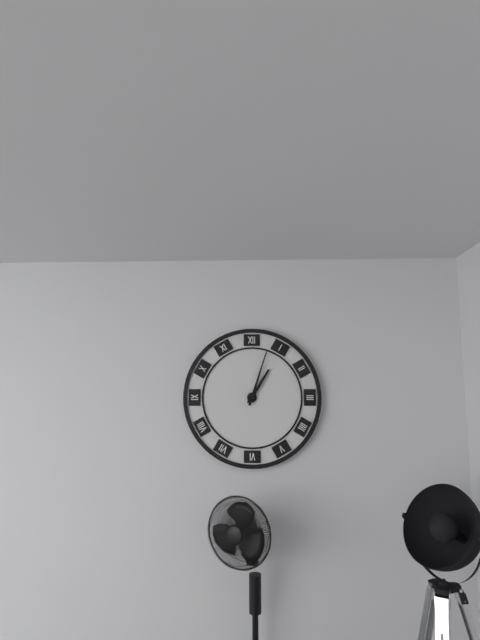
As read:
1,03
